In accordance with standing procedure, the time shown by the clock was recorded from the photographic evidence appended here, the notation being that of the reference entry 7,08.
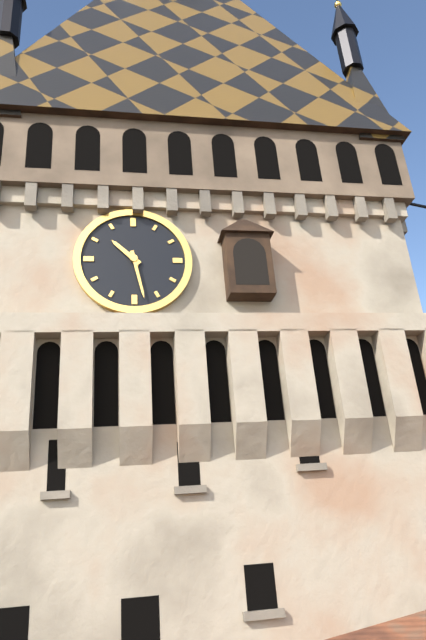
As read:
10,28
